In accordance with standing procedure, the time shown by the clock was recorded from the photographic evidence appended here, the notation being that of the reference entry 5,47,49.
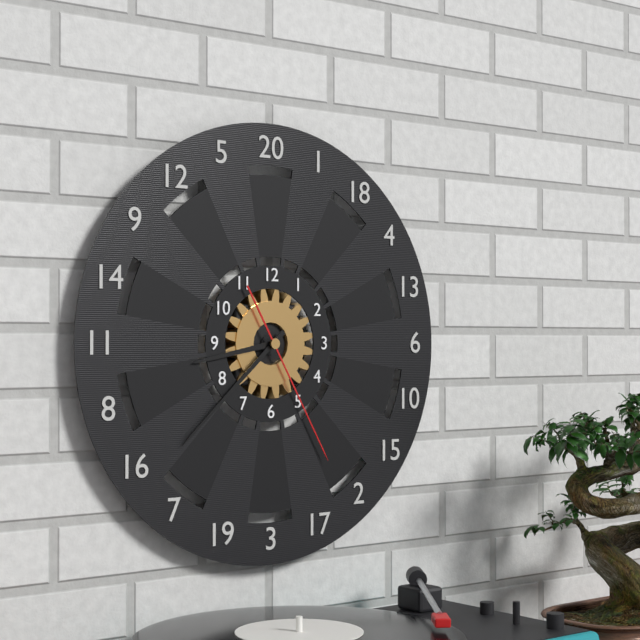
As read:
8,38,25
